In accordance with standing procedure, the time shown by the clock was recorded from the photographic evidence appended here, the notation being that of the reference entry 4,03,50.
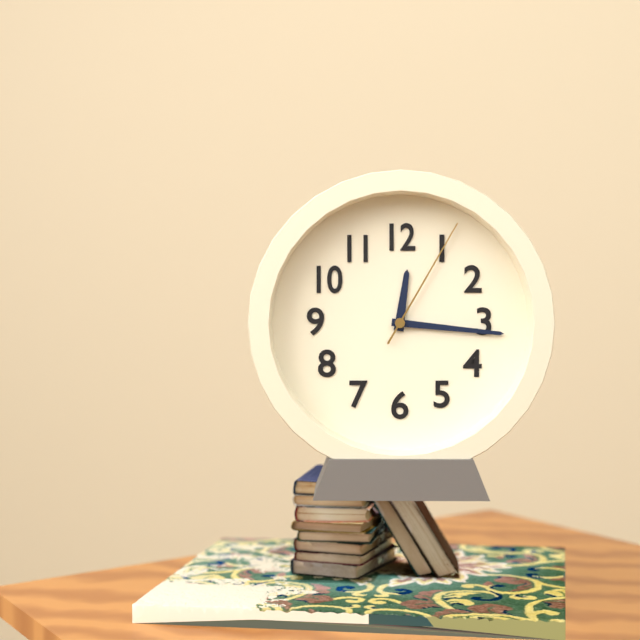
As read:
12,16,05
